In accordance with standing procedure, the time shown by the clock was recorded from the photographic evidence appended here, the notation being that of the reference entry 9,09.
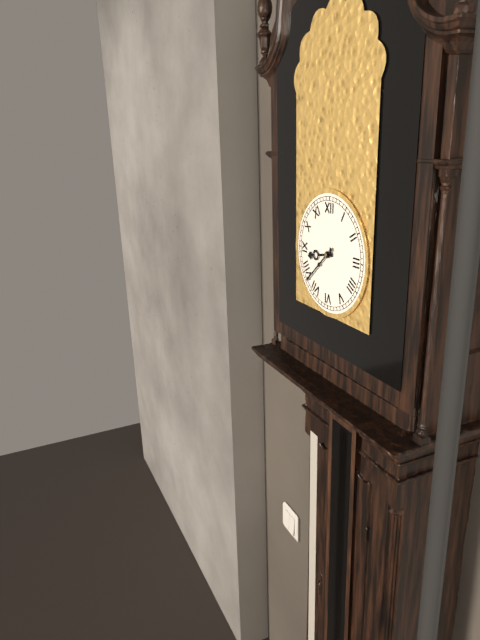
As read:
8,38
